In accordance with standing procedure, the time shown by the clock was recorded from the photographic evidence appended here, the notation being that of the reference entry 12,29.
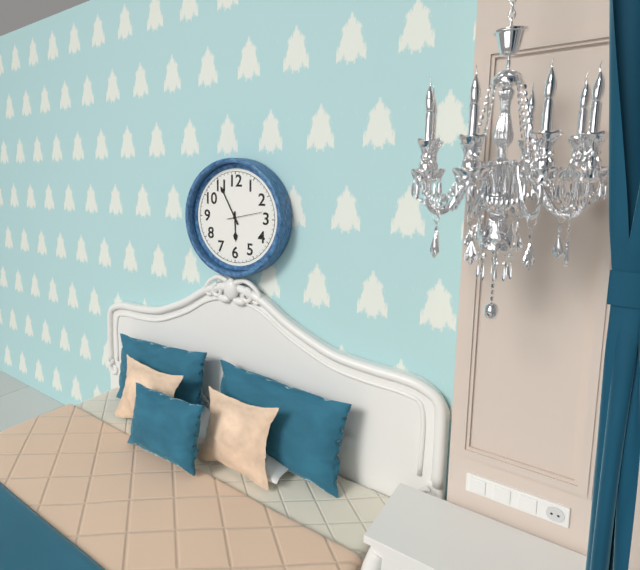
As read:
5,55
